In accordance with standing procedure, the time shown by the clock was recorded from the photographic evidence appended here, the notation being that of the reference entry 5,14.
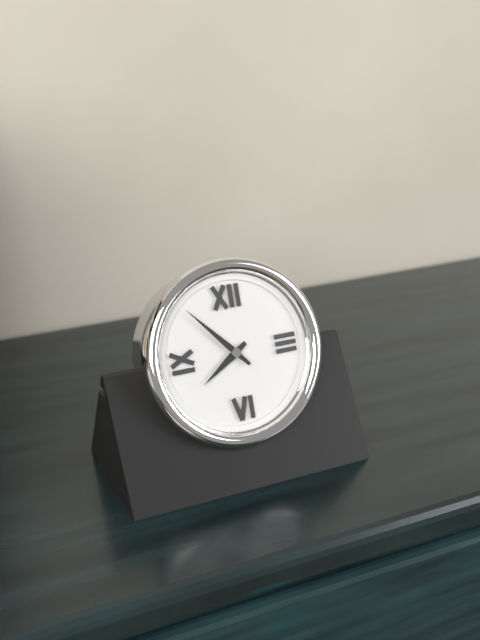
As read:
7,53
